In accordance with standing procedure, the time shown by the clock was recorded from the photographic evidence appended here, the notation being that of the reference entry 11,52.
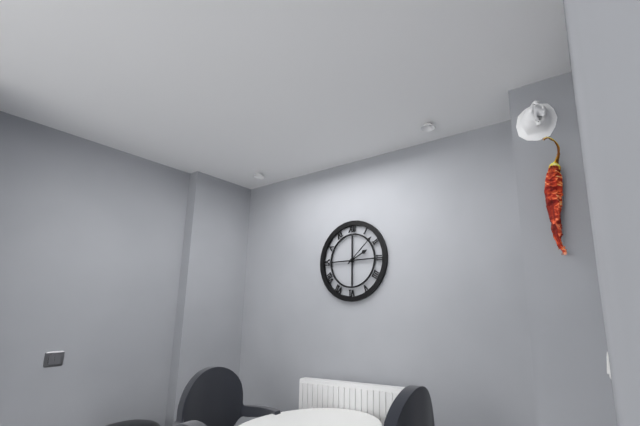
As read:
2,08
